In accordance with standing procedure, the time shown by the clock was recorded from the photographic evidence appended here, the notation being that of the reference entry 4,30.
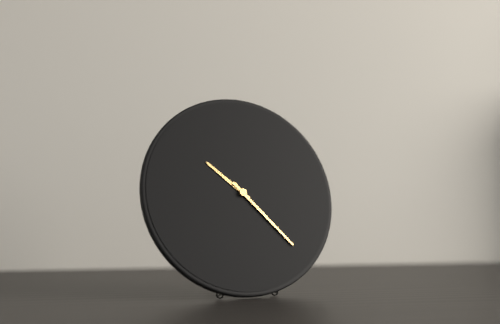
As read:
10,23
